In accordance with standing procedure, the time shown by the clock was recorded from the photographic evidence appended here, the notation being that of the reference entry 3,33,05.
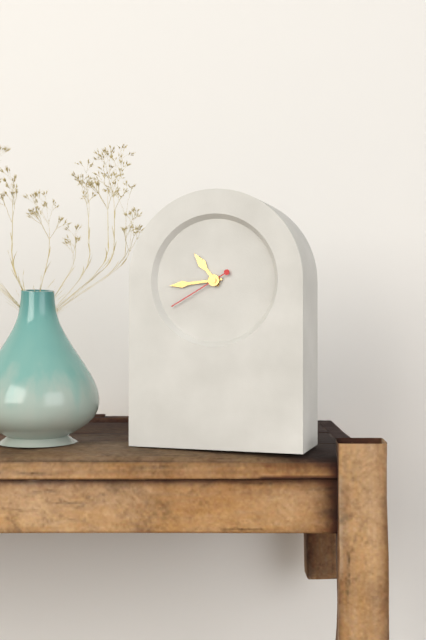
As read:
10,44,40
